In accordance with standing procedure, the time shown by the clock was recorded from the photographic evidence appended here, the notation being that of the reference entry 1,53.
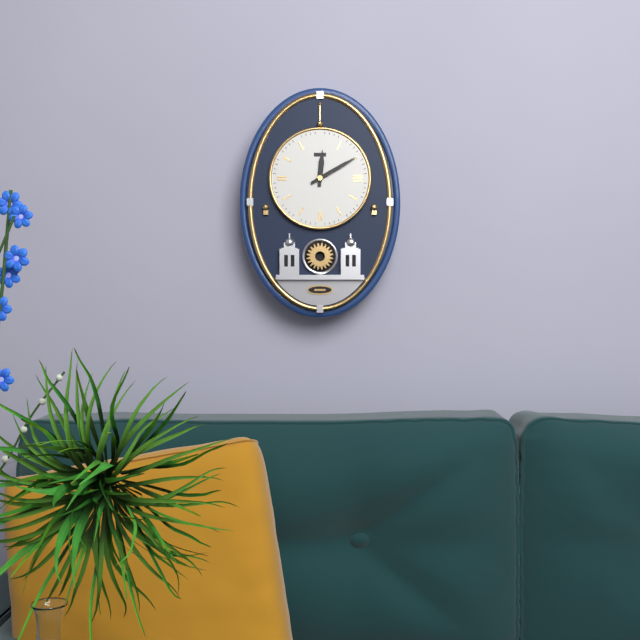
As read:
12,10
